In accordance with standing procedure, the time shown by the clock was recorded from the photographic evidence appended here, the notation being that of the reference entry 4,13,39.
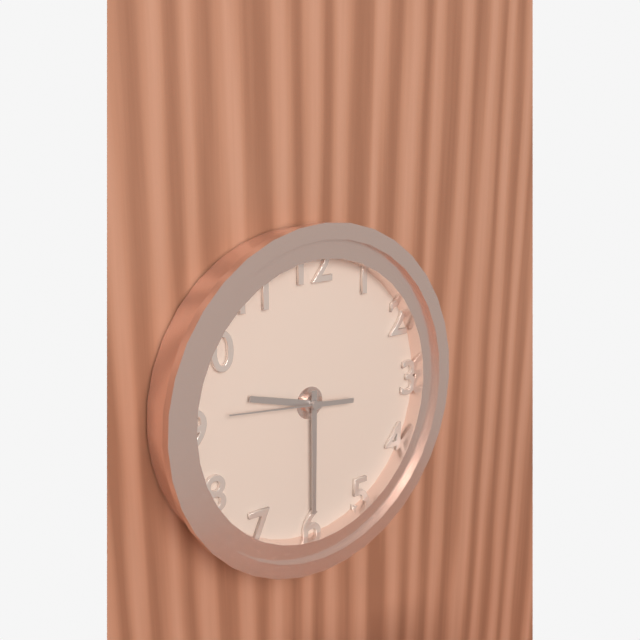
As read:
9,30,46
